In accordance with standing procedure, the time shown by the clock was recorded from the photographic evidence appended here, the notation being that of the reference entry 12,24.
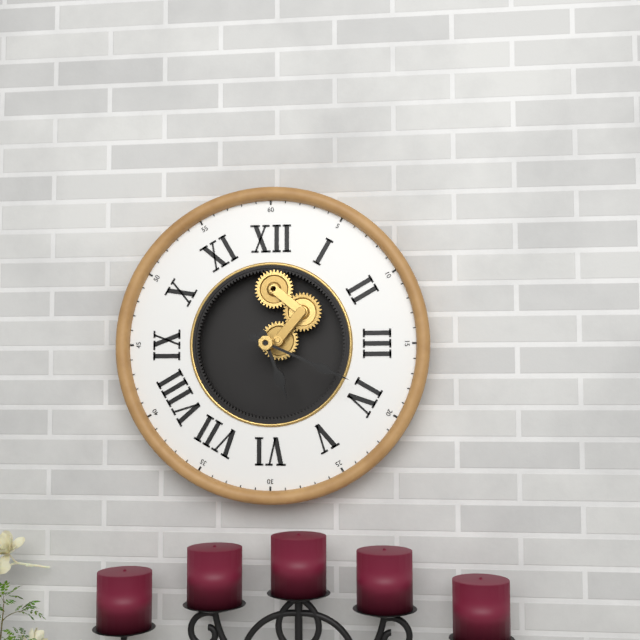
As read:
5,19
